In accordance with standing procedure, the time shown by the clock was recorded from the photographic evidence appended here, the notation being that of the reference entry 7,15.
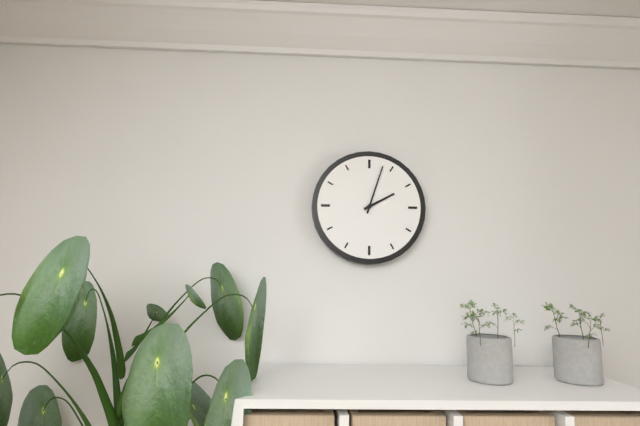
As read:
2,03
